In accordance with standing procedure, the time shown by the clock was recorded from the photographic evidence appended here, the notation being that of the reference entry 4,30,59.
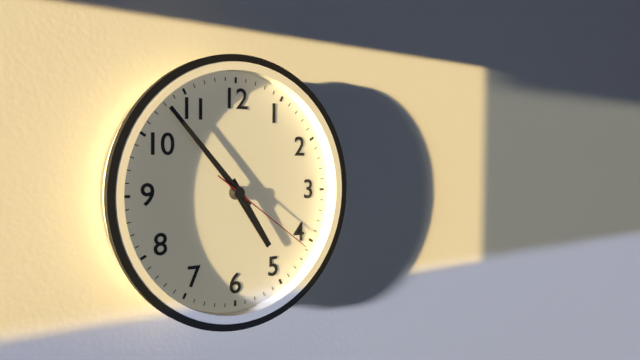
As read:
4,53,21
